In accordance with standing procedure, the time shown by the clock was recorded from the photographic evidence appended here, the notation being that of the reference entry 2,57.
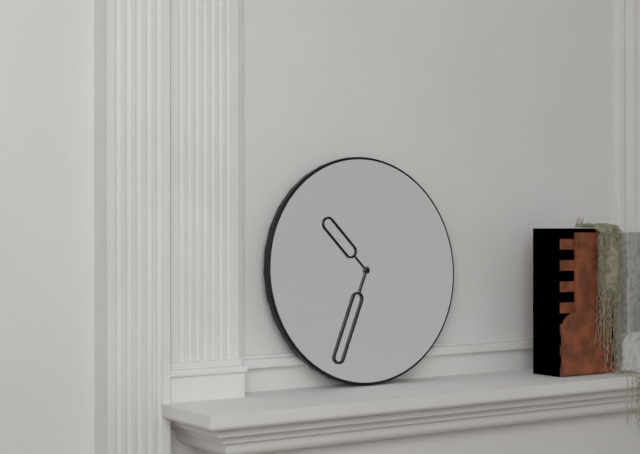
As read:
10,34
